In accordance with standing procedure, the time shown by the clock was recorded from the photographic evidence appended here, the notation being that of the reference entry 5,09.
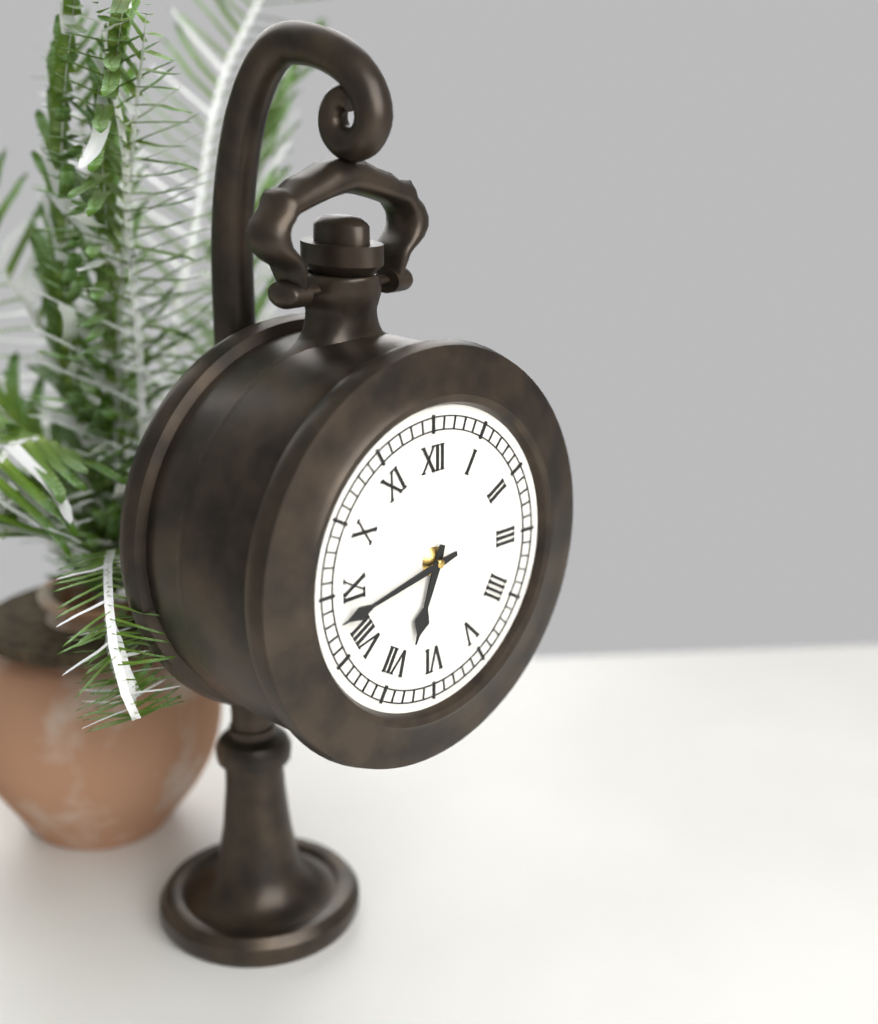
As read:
6,43
